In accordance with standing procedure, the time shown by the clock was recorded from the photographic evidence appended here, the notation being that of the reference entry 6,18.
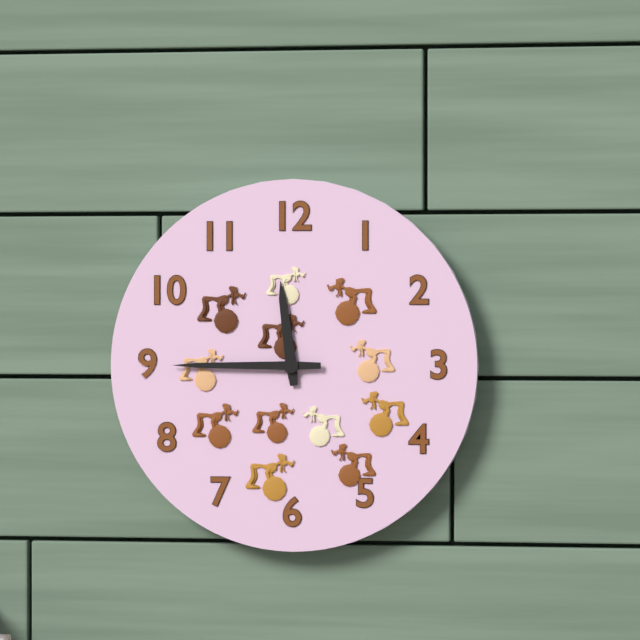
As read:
11,45
